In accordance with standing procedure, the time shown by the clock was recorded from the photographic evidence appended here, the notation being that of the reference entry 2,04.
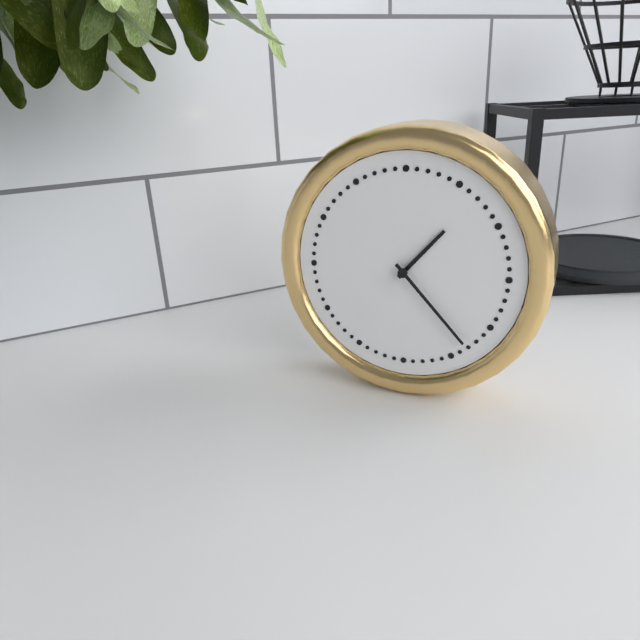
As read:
1,23
